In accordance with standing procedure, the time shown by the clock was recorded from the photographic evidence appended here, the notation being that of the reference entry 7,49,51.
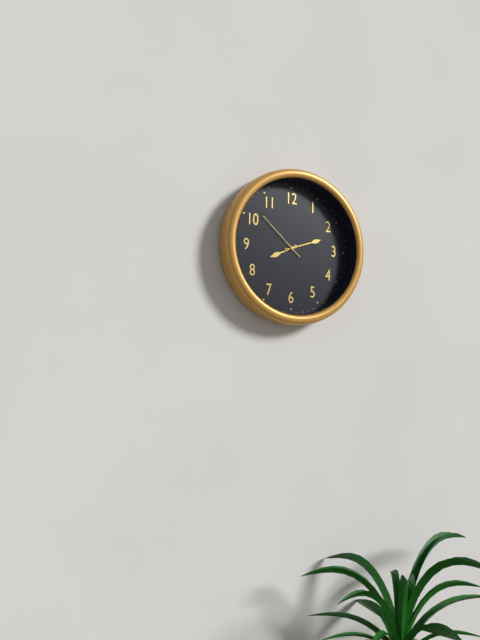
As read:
8,12,52
